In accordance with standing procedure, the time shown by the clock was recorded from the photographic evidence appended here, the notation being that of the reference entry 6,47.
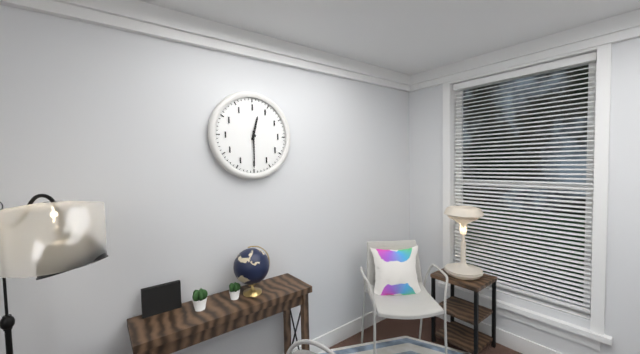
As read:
12,30
